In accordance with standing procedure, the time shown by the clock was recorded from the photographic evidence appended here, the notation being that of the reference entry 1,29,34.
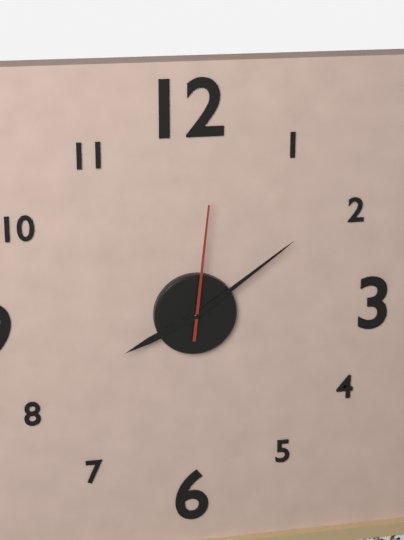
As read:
8,09,01
